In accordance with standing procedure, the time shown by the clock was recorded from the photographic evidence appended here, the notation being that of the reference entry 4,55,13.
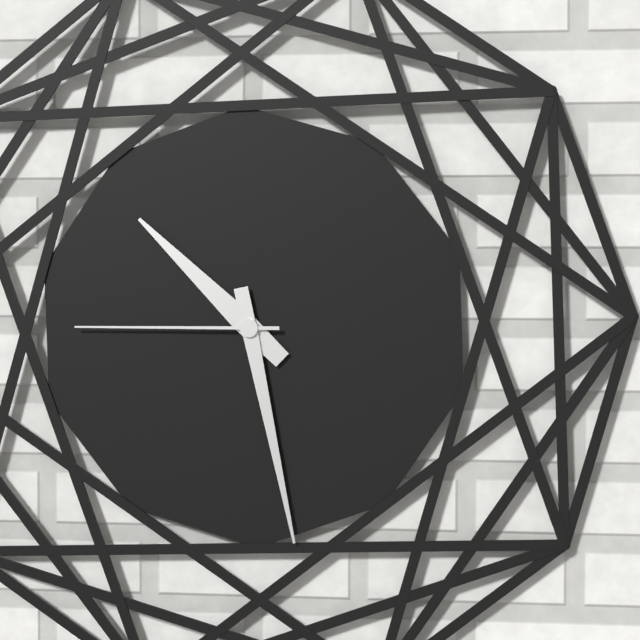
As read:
10,28,45
